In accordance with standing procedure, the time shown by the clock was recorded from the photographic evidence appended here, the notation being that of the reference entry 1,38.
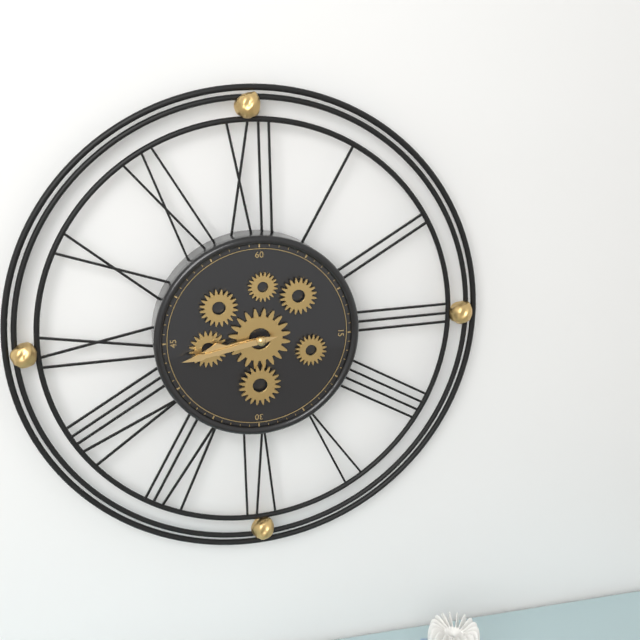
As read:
8,43
